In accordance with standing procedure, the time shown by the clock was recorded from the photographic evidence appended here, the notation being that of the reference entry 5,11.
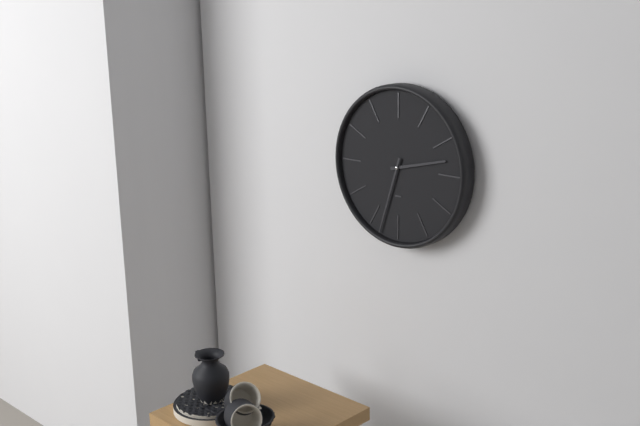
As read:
2,33
